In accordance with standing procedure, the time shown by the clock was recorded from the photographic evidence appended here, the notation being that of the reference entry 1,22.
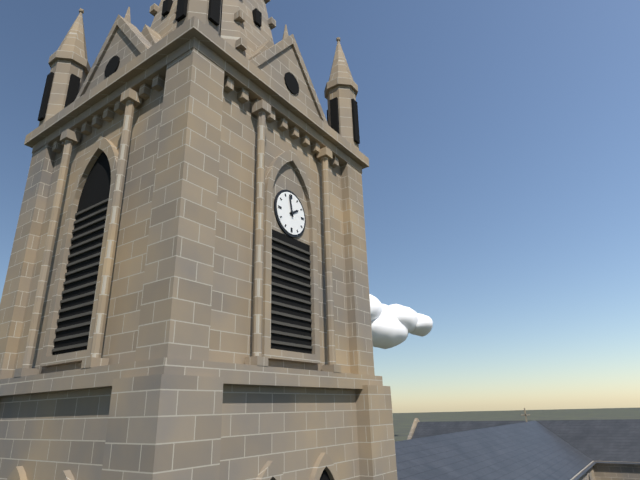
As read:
1,58
